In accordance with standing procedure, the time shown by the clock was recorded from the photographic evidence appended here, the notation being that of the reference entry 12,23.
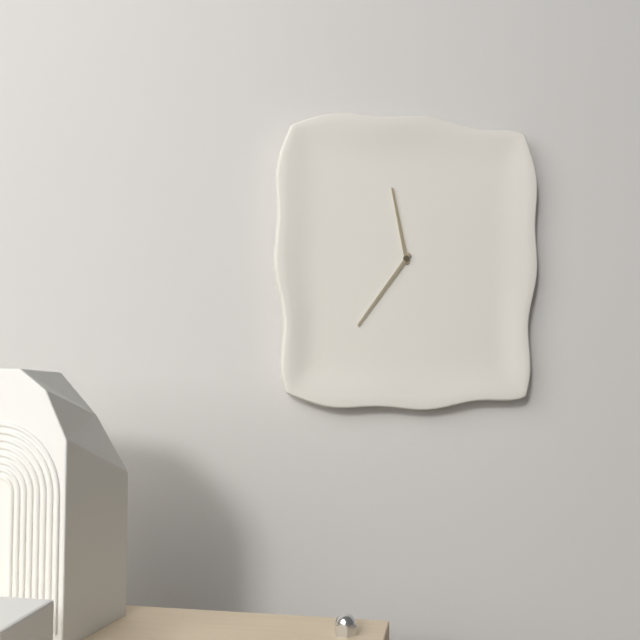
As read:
11,36
